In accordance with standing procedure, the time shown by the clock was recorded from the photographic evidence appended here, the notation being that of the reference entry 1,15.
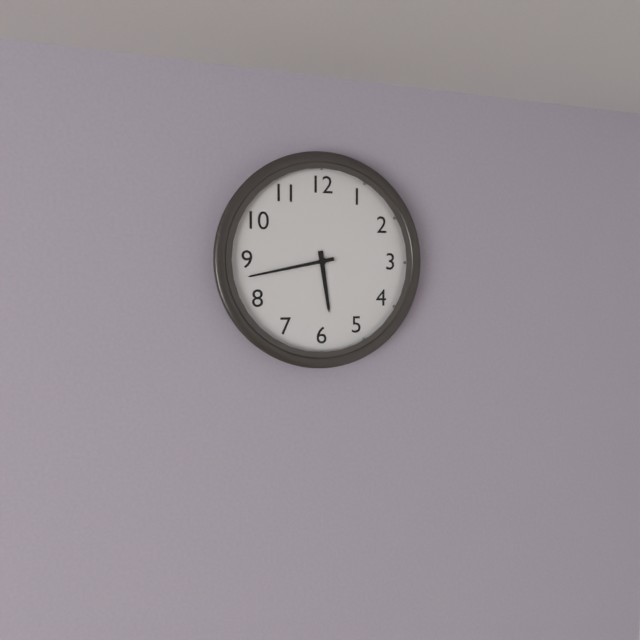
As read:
5,43
